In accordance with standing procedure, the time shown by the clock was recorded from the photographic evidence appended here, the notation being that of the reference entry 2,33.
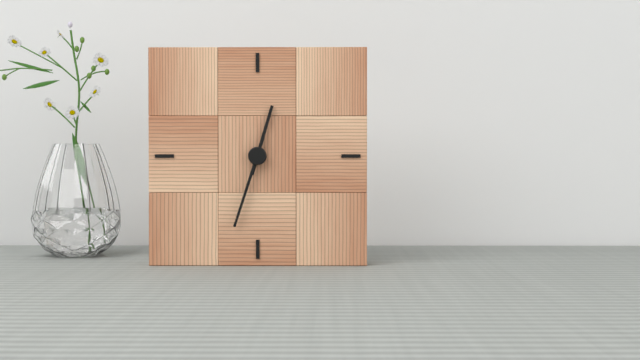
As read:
12,33
